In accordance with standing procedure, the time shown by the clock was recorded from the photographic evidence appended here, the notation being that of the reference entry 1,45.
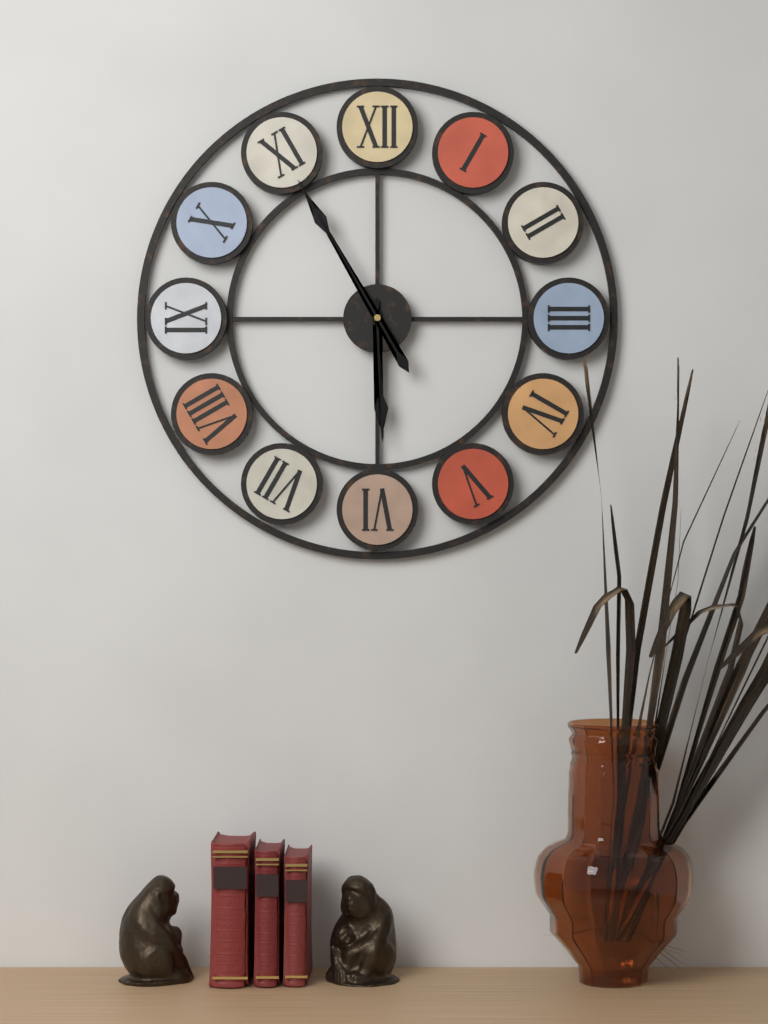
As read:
5,55
